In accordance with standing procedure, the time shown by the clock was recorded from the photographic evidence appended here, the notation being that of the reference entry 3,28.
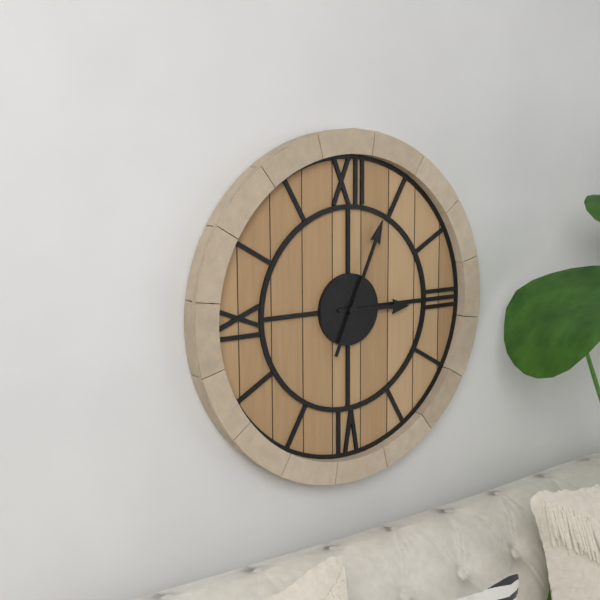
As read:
3,04
